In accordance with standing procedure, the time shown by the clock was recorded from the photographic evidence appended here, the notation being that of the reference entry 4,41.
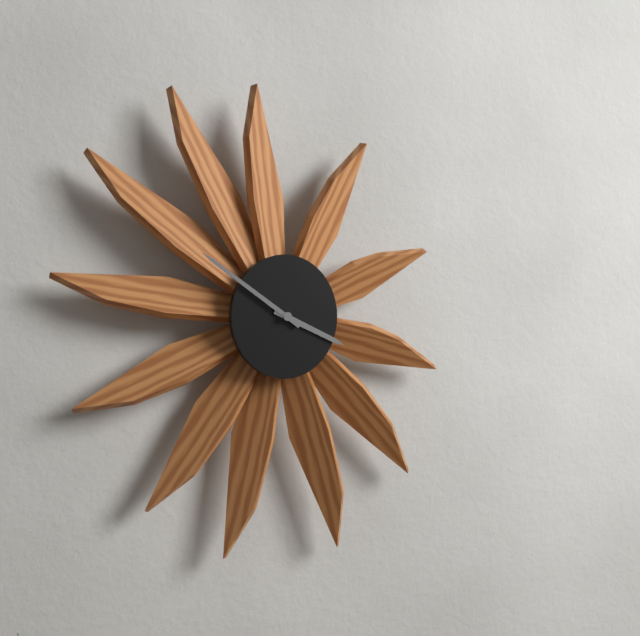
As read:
3,51
